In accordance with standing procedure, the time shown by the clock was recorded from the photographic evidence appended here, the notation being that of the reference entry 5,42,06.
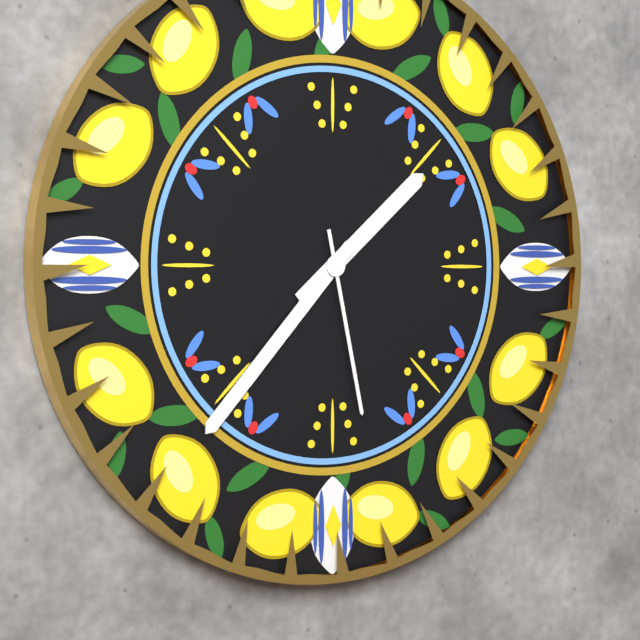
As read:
1,37,28
